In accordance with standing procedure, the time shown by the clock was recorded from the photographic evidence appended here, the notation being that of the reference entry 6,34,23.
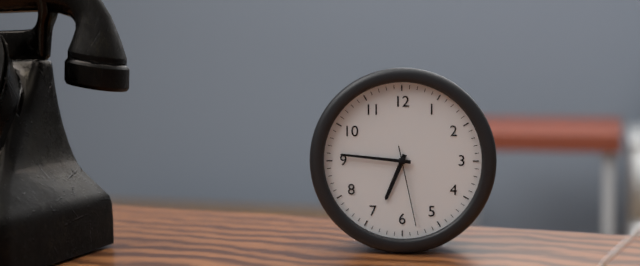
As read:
6,46,28
